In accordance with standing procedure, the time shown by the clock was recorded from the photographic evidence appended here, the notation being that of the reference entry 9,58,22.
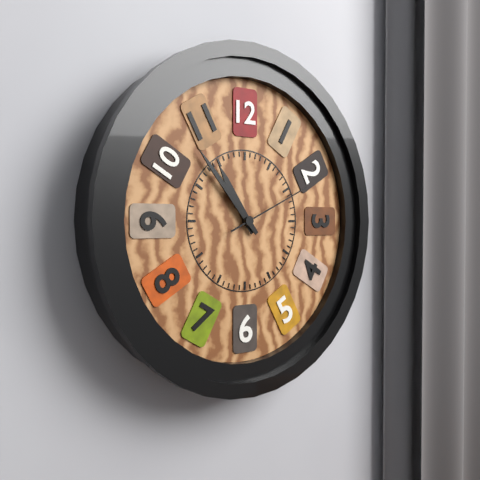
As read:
10,53,11
